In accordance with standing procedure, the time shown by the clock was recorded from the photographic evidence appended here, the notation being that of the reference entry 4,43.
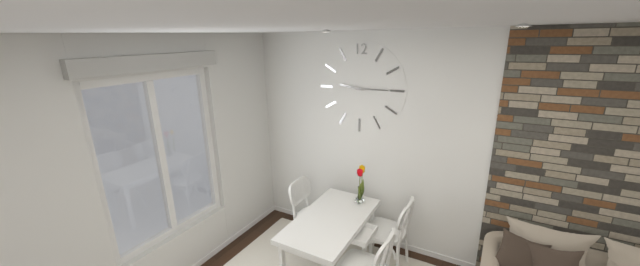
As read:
9,15
